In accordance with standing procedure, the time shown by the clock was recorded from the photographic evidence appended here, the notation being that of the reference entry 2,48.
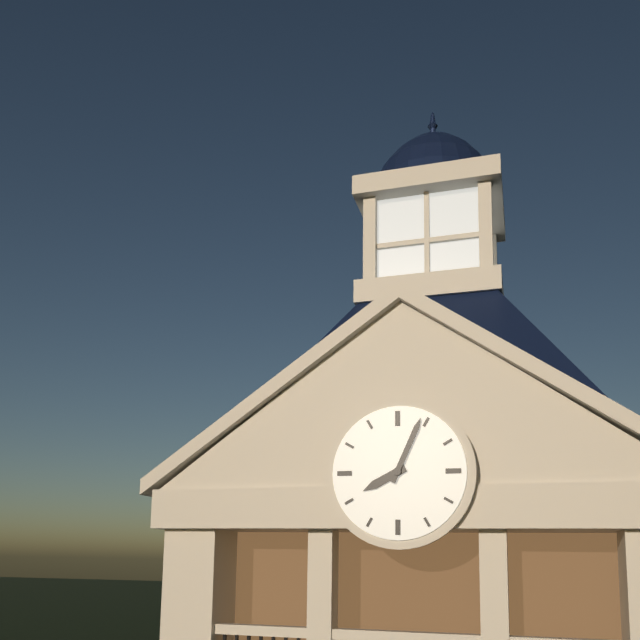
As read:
8,04
